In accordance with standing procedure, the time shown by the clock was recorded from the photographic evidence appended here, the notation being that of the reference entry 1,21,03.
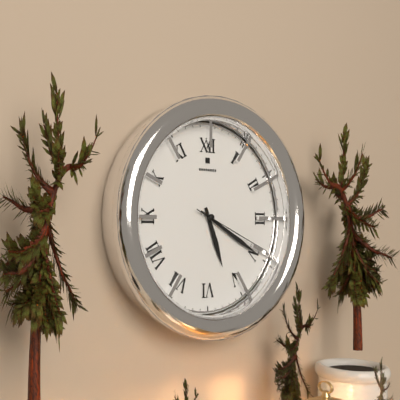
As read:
5,20,19
